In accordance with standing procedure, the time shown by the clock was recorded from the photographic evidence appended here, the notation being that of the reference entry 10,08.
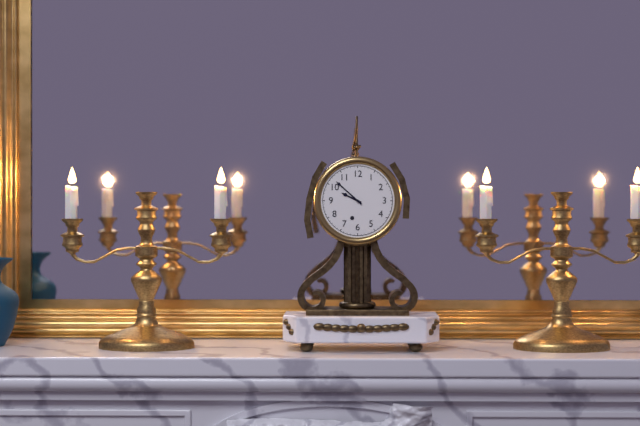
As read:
9,52
